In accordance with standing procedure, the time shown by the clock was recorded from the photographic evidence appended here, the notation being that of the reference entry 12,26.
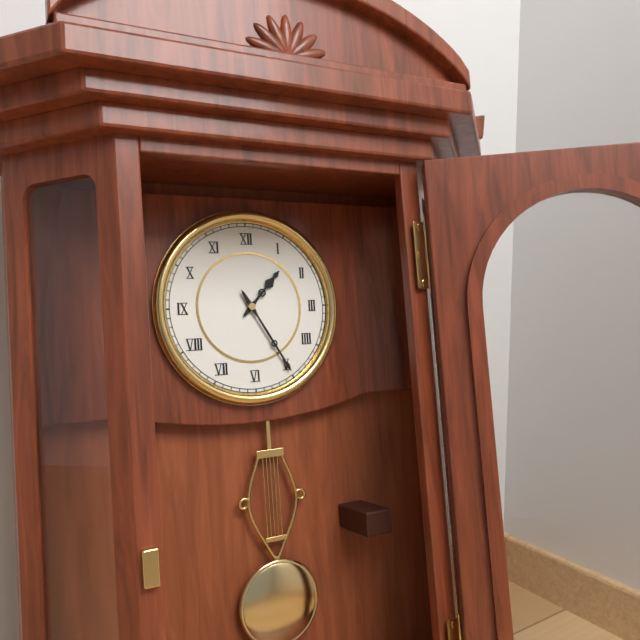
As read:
1,25
